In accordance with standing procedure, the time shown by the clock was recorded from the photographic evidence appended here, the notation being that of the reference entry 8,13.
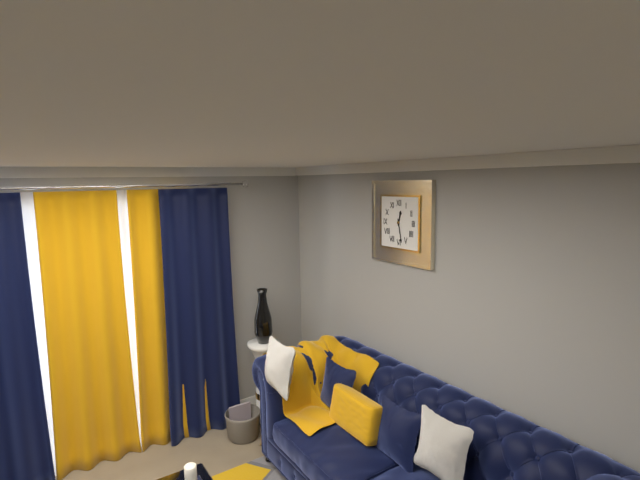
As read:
12,28
